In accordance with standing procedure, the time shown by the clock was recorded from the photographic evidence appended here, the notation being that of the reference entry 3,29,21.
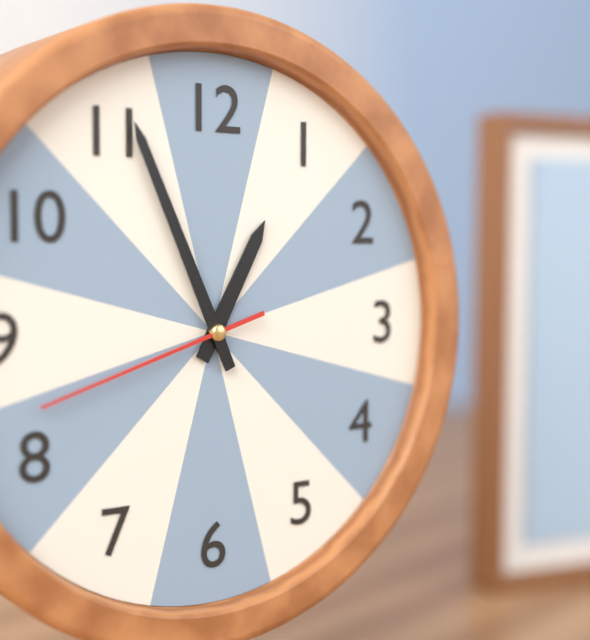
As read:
12,56,42
